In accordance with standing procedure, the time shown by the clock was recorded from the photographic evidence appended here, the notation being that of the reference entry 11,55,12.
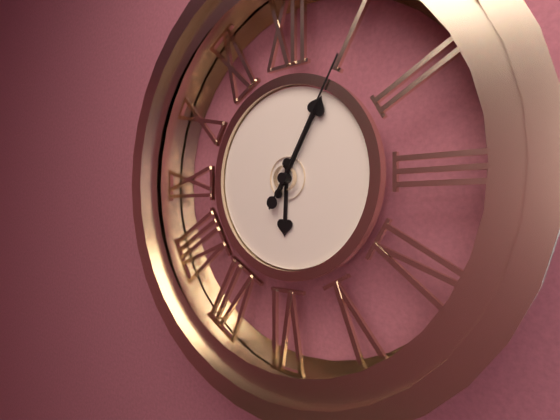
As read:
6,05,05
